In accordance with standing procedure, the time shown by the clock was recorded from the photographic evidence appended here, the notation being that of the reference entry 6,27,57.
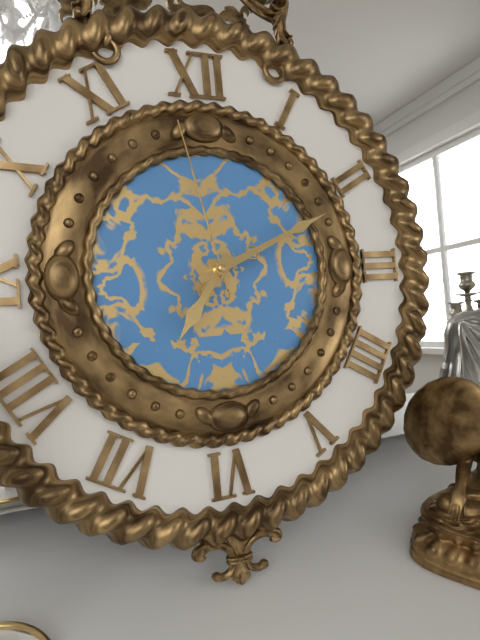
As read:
7,11,58
